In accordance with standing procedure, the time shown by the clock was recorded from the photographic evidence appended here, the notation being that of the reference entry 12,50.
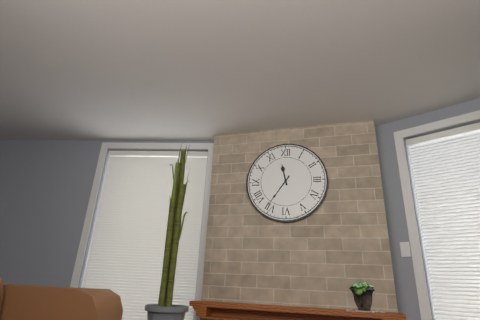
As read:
11,36
